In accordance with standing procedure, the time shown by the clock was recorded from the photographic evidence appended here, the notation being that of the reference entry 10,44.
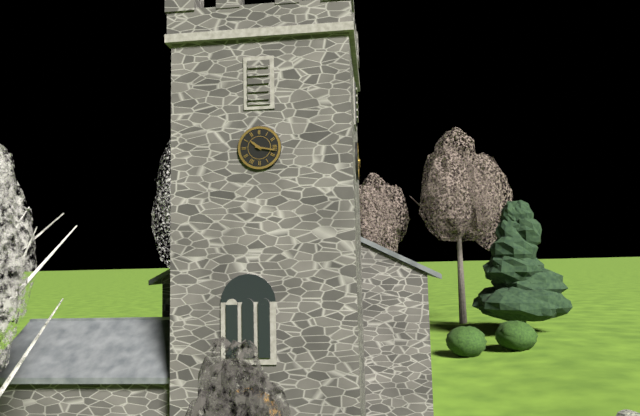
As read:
10,17
